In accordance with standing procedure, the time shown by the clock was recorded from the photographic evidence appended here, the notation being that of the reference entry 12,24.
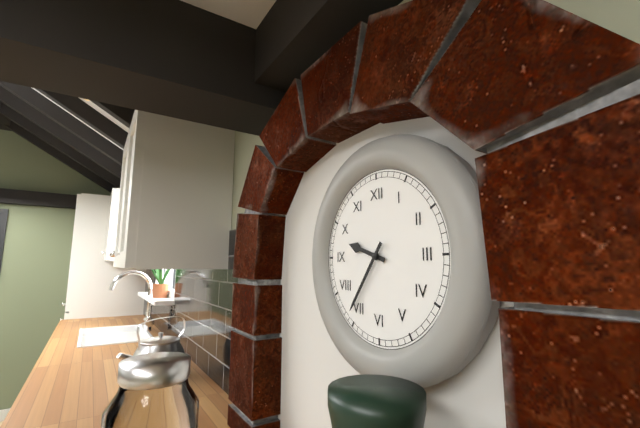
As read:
9,36
